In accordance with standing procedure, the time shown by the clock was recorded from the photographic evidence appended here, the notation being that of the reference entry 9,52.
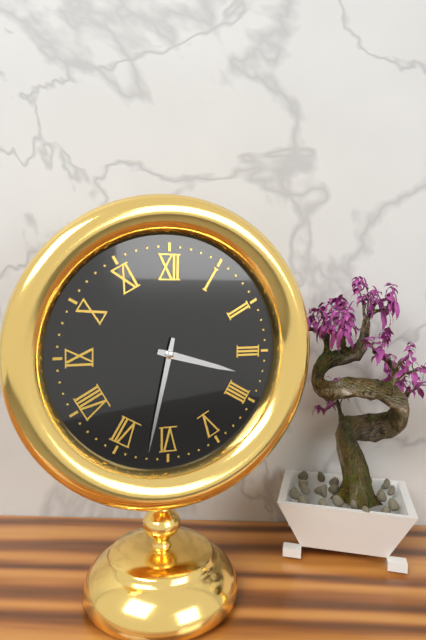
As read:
3,32
